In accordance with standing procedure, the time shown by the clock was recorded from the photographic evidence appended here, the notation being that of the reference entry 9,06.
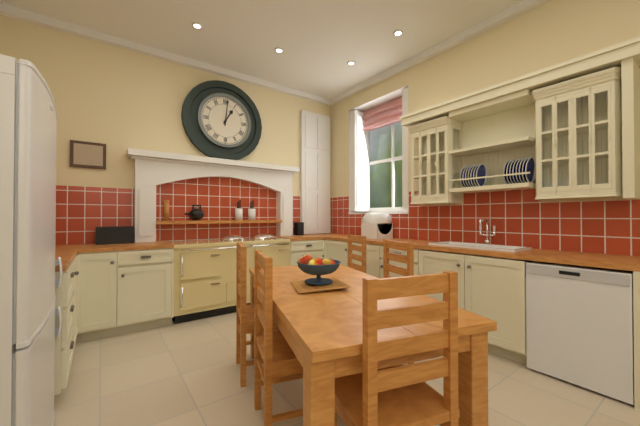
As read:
1,01
